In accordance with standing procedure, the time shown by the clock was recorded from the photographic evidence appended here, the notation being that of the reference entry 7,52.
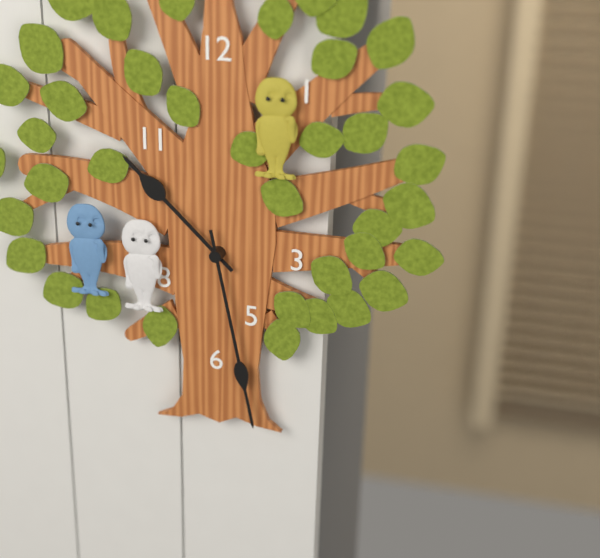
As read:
10,28
